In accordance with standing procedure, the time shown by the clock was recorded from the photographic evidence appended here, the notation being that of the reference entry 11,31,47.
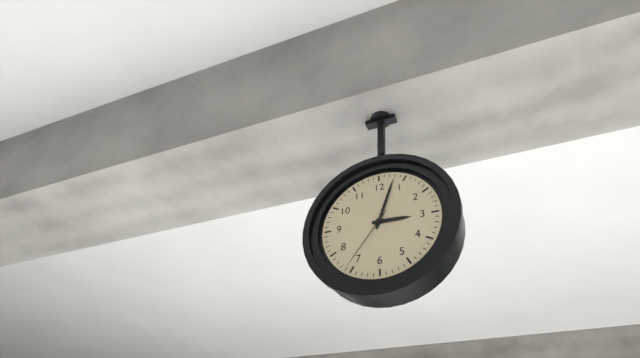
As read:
3,03,36
